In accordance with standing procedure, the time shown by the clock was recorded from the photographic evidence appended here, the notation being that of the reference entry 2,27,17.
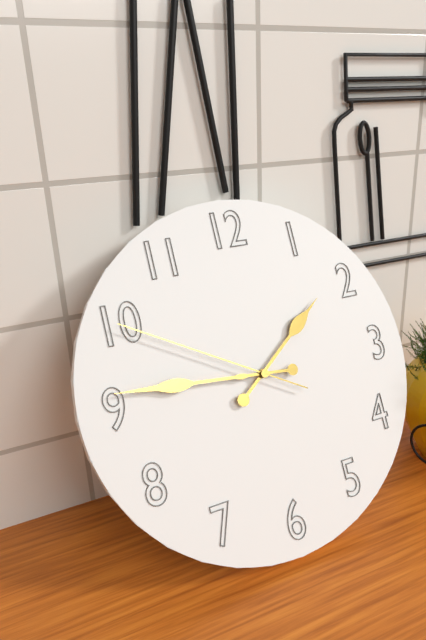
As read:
1,46,50
